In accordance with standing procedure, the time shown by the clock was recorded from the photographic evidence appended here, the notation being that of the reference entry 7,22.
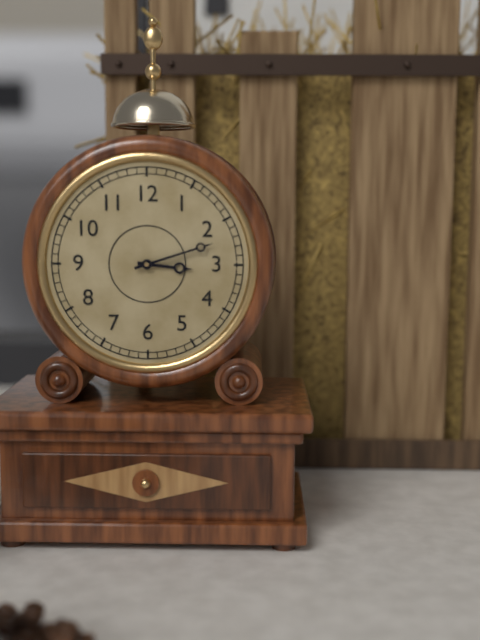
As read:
3,12
